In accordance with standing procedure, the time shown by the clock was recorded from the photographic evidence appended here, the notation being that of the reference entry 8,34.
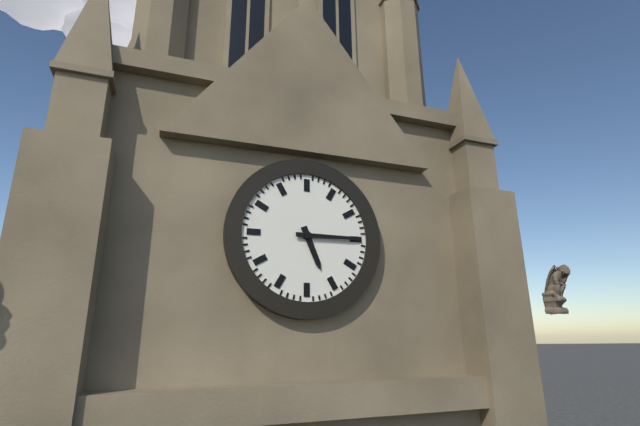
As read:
5,15
